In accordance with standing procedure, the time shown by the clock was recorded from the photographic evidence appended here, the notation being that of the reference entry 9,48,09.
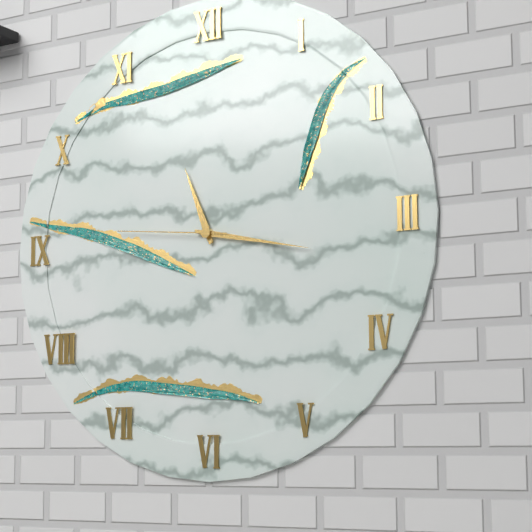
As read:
11,17,46
